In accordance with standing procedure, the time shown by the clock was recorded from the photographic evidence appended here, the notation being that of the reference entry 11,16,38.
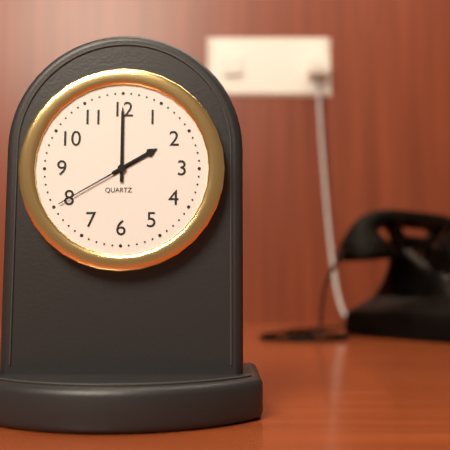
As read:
2,00,40
